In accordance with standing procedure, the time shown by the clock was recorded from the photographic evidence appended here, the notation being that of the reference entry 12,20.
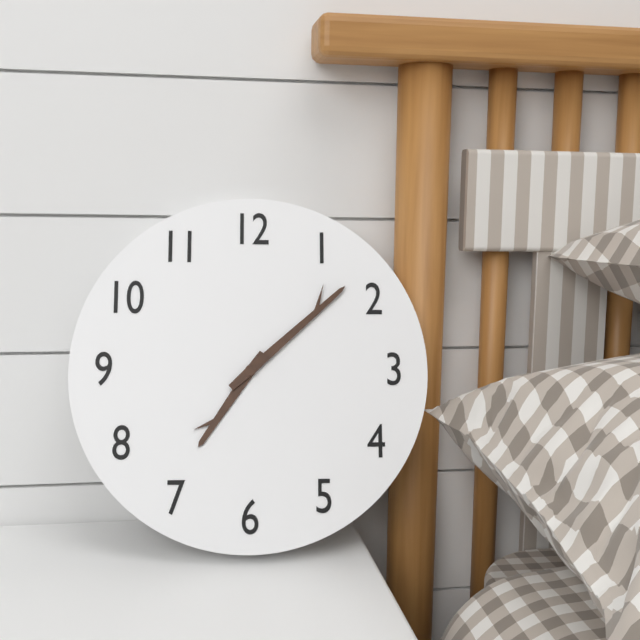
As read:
7,08
